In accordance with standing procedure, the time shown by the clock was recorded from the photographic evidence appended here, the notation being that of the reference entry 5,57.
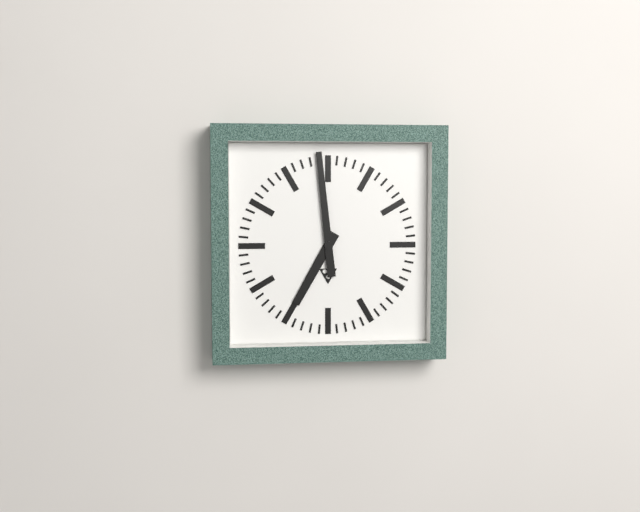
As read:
6,59
